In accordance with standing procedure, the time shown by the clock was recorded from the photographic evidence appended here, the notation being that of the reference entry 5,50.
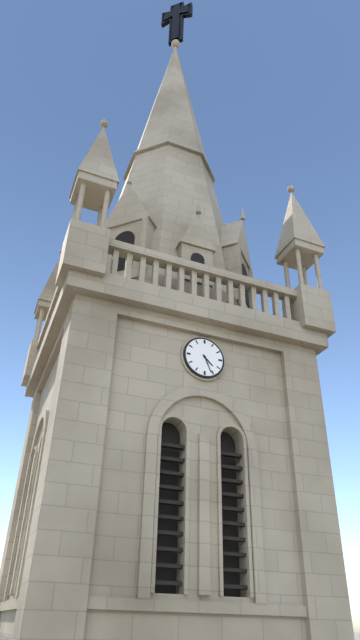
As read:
4,26
